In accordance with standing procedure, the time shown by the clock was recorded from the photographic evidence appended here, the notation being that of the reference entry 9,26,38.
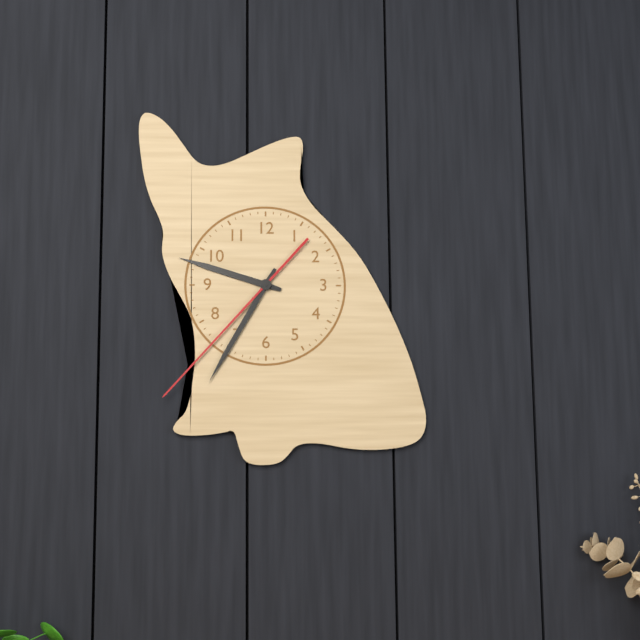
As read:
9,35,37
